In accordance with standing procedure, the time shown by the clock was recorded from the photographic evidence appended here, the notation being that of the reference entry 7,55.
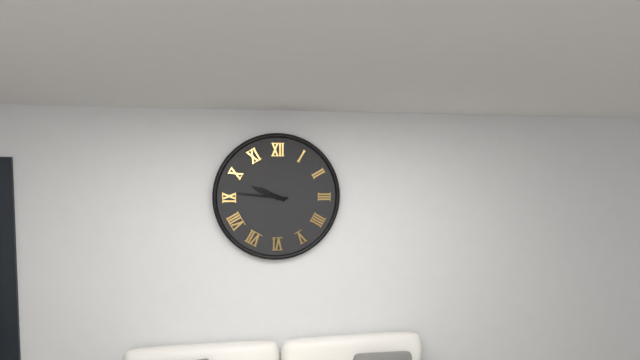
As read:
9,46
